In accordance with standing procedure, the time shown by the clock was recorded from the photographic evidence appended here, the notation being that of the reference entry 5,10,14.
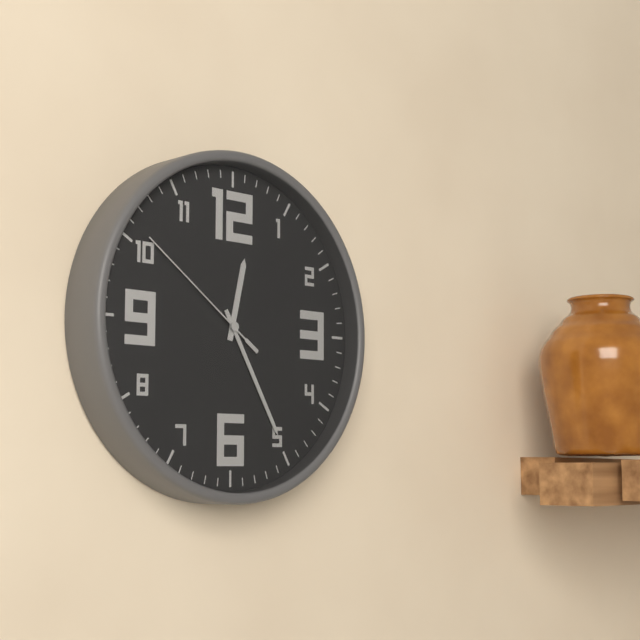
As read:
12,25,51
